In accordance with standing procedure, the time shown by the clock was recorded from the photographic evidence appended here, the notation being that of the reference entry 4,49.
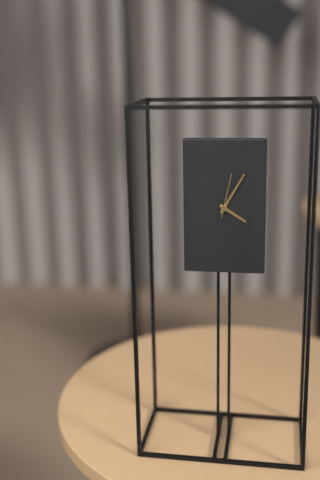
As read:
4,05
